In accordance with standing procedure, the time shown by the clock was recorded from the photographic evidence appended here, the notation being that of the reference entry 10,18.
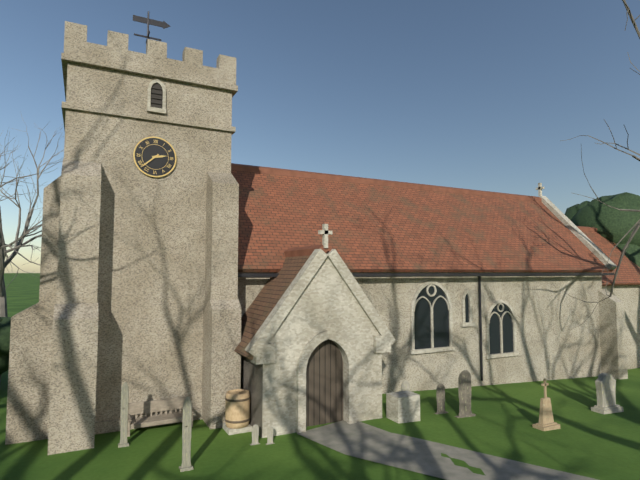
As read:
2,38
